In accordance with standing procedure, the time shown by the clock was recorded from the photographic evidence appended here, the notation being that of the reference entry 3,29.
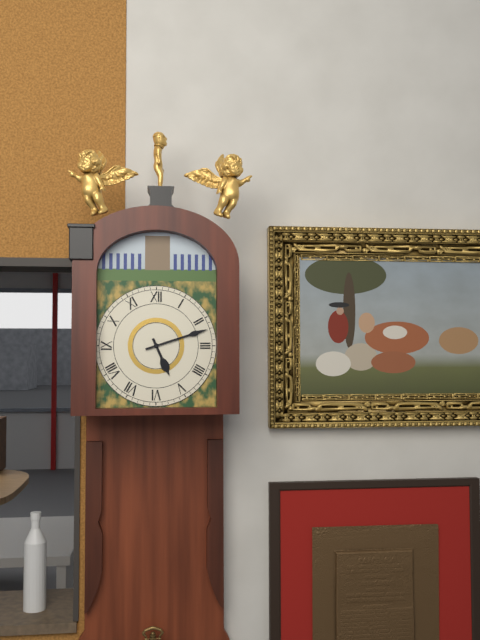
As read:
5,12
